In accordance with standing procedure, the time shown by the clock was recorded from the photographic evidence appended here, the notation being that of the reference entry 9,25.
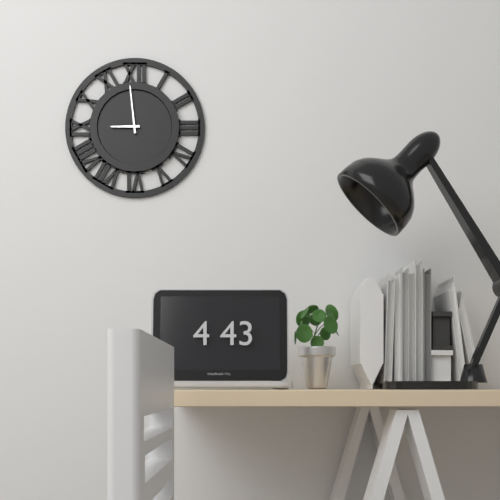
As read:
8,59
